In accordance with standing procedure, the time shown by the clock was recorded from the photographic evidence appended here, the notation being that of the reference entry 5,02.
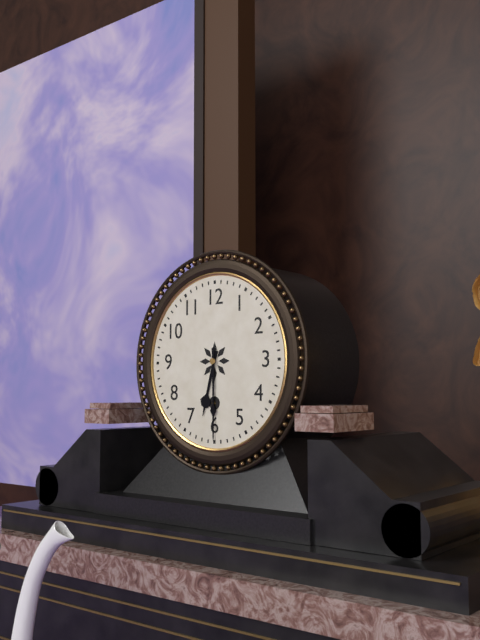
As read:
6,30
